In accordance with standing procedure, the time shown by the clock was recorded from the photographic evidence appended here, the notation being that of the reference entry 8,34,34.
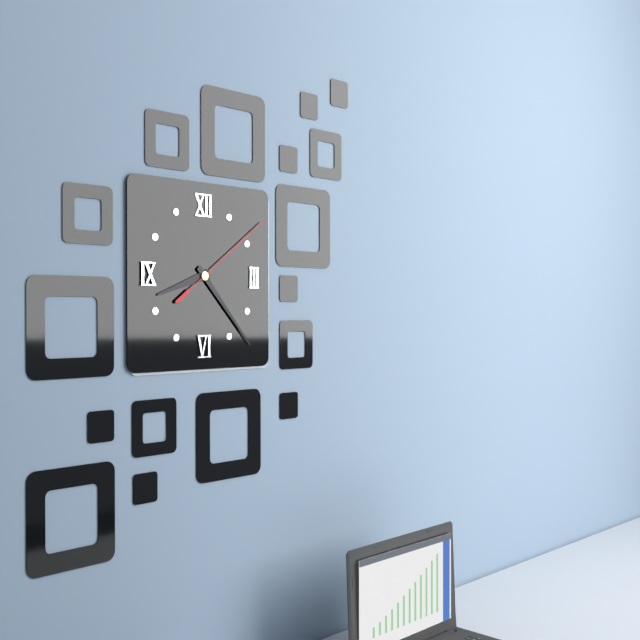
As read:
8,23,09
